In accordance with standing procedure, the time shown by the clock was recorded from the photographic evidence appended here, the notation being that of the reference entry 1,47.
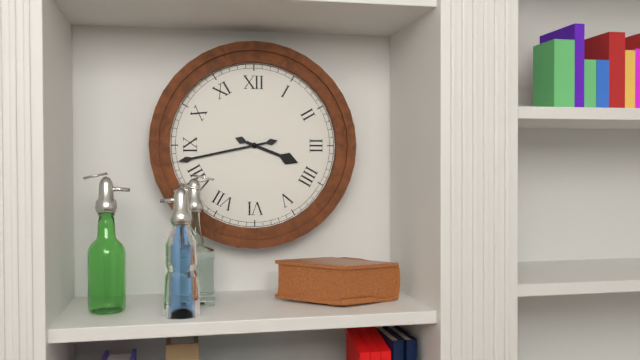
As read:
3,43
